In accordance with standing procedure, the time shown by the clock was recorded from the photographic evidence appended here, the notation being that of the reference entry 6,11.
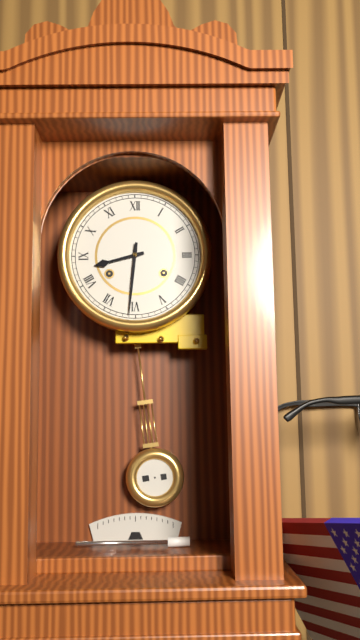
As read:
8,31
